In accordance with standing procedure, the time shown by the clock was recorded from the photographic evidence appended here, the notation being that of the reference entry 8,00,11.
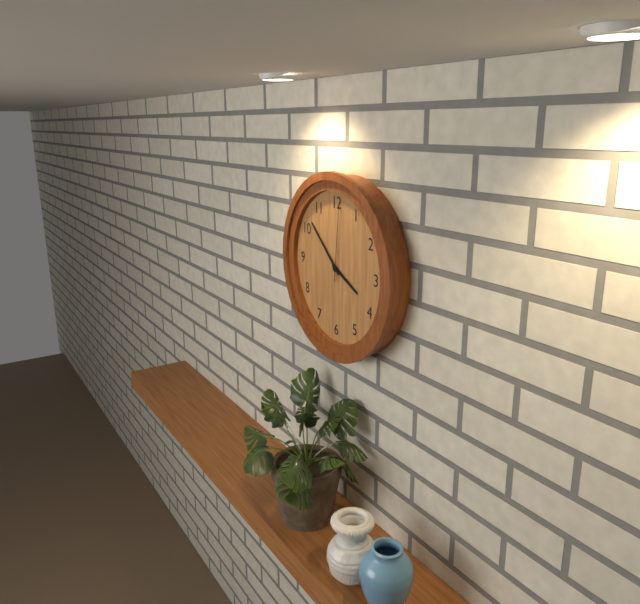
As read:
3,52,01
